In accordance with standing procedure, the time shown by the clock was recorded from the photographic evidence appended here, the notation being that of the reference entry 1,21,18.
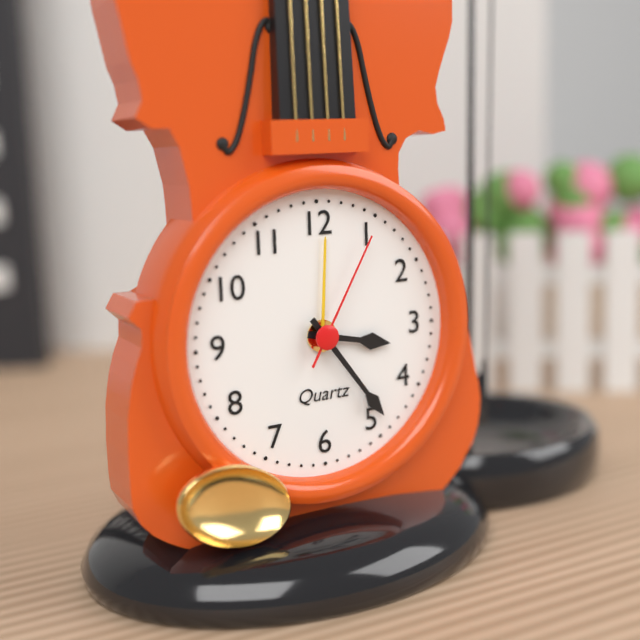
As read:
3,24,05
